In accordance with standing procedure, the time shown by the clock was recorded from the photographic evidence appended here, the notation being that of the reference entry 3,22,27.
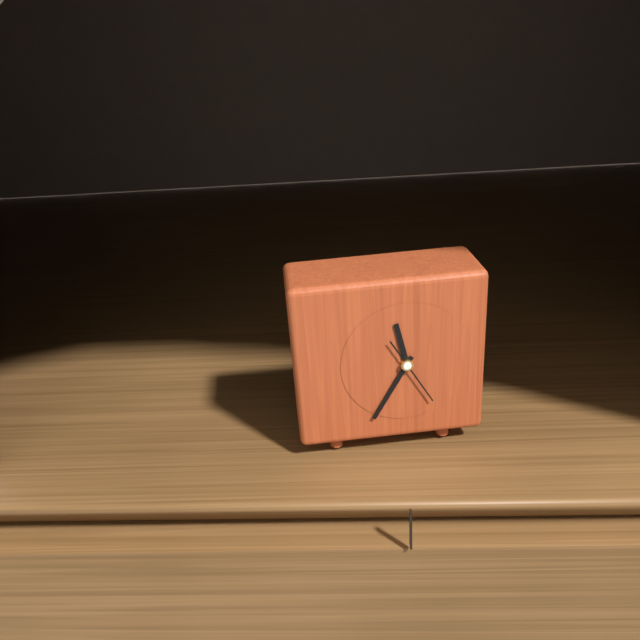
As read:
11,35,25
